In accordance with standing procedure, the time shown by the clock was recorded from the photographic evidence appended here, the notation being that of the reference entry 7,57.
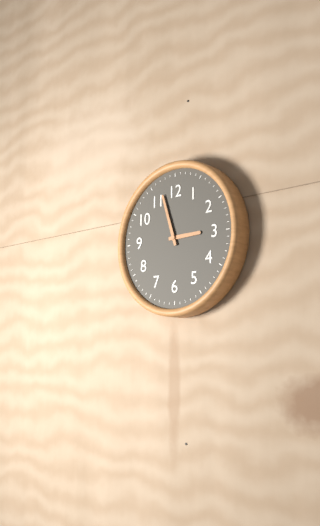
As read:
2,57
